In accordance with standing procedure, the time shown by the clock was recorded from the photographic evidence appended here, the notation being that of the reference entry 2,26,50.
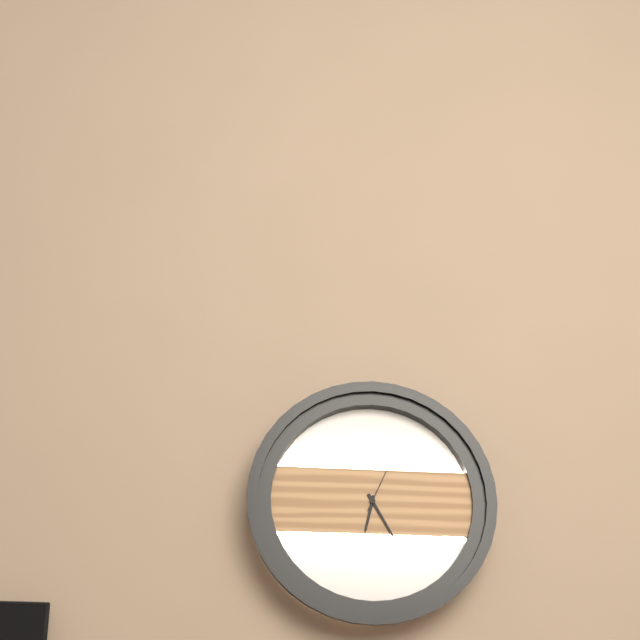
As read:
6,25,04
